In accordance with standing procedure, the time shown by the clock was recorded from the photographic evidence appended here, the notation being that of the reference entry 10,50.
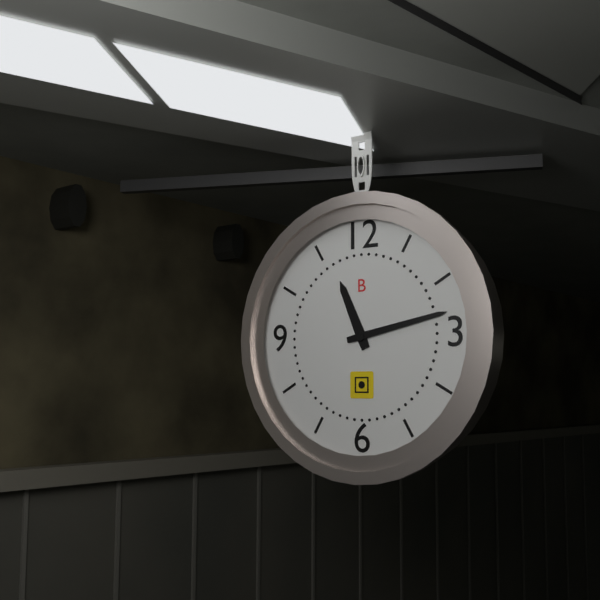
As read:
11,13
